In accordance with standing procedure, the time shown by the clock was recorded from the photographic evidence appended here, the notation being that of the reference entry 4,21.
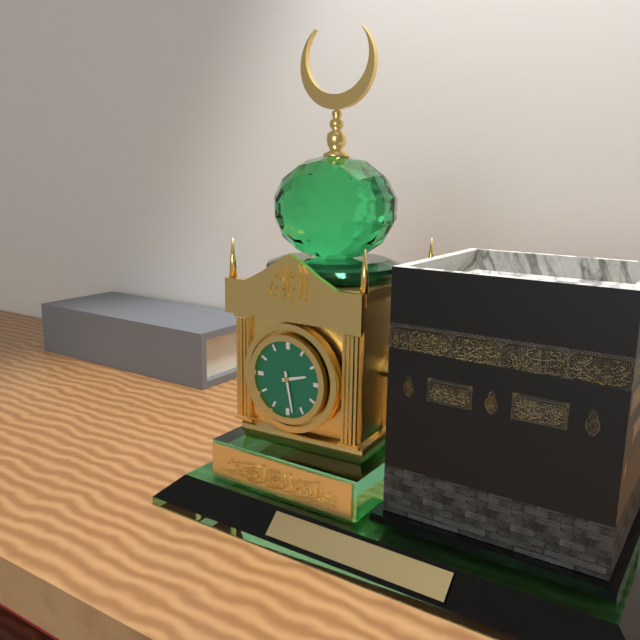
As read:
2,28
